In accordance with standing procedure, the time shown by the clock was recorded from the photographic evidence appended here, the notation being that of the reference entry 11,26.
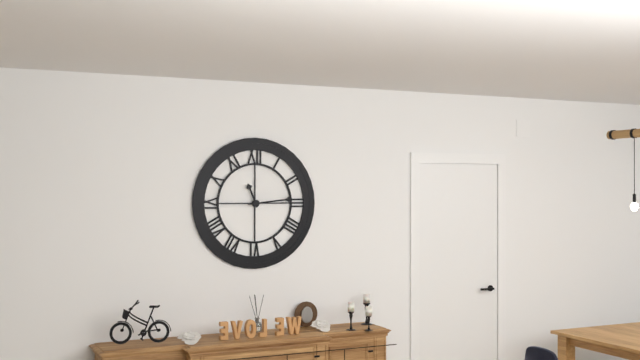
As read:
11,14
